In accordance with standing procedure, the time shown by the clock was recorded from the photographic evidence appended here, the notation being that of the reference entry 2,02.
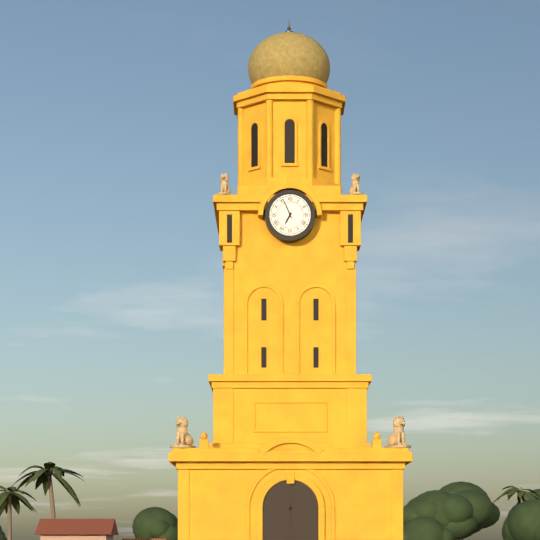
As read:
6,56
